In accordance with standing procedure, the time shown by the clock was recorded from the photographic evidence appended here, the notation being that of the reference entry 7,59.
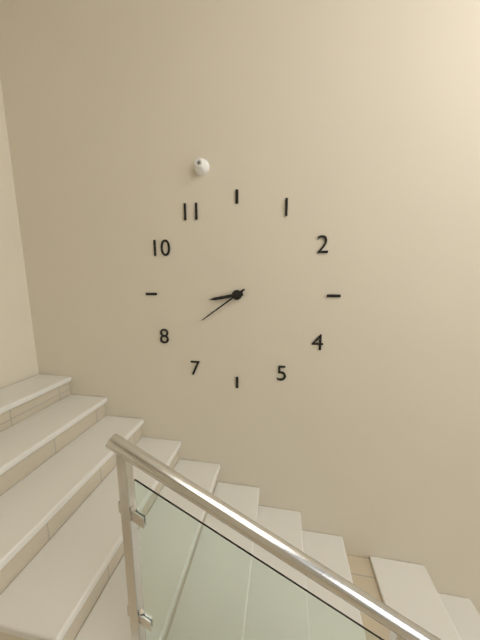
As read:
8,39
